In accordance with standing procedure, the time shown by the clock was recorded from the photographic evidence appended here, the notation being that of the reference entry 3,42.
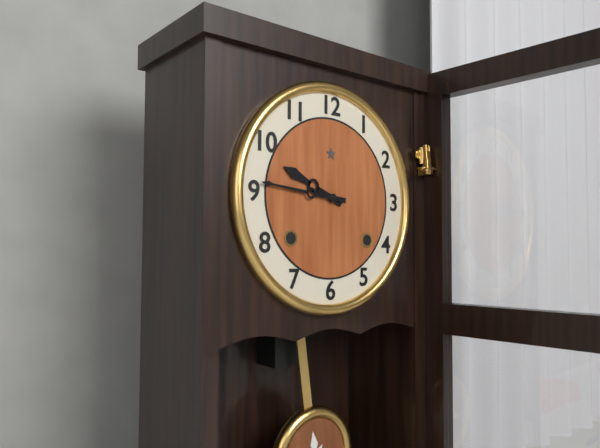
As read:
9,46
